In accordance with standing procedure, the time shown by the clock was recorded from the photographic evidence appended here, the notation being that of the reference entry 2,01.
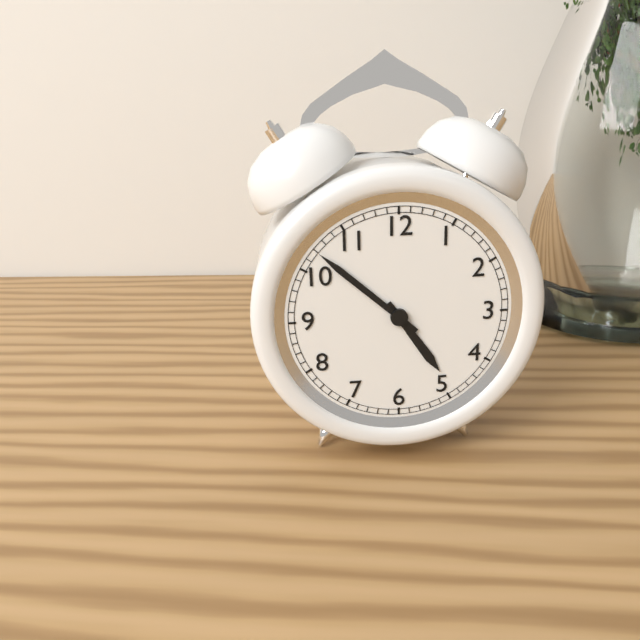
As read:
4,52
